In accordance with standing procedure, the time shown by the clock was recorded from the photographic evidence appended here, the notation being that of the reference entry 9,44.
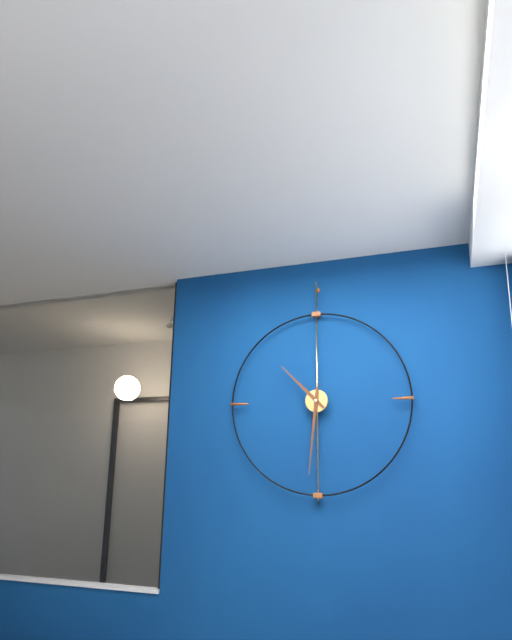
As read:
10,31
